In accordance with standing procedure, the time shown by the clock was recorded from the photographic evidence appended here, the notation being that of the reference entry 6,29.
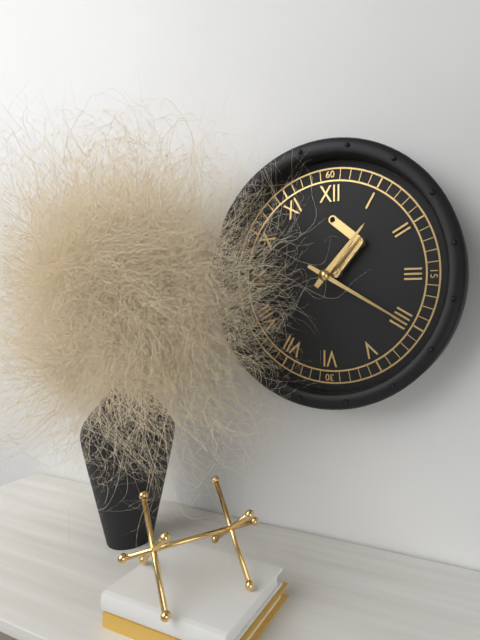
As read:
1,20
